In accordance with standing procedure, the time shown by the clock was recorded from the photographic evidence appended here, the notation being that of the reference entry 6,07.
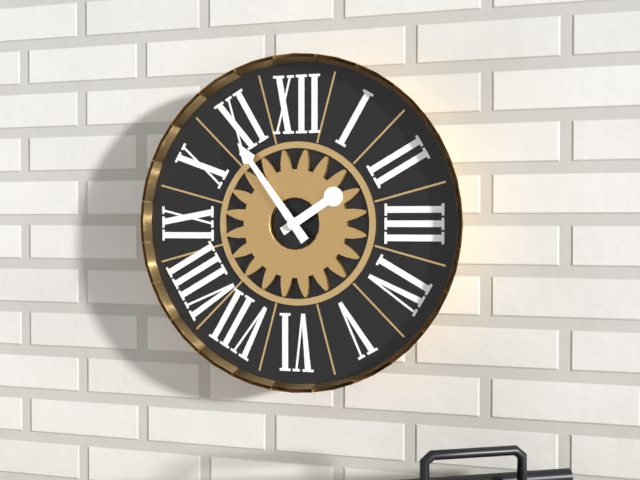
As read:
1,54
